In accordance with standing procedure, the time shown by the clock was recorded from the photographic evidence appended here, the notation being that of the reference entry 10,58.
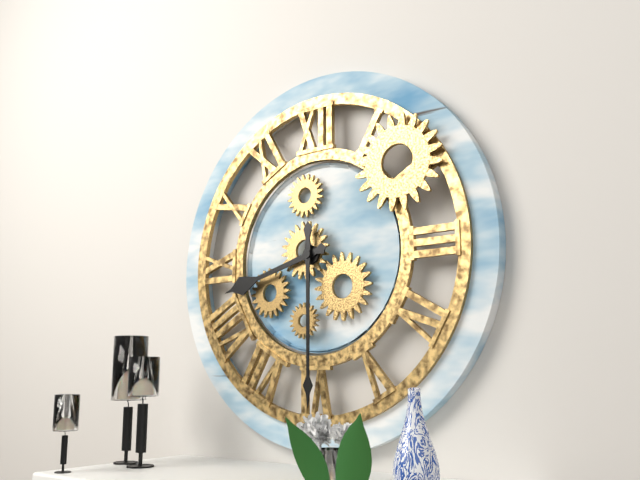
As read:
8,30
